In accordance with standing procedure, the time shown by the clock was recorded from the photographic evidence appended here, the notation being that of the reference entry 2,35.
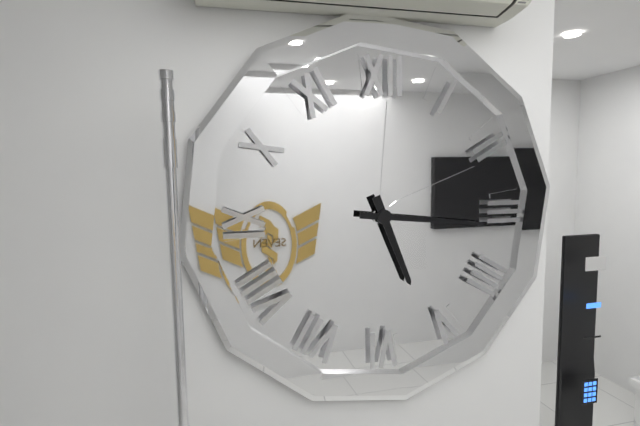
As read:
5,16
